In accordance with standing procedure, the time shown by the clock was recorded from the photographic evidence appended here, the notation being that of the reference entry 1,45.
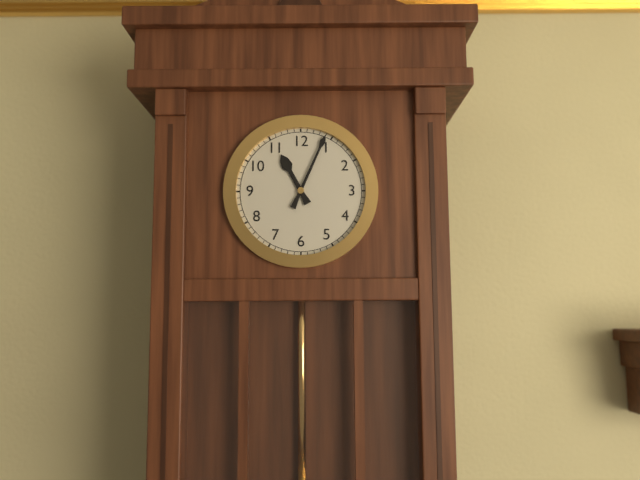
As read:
11,04
